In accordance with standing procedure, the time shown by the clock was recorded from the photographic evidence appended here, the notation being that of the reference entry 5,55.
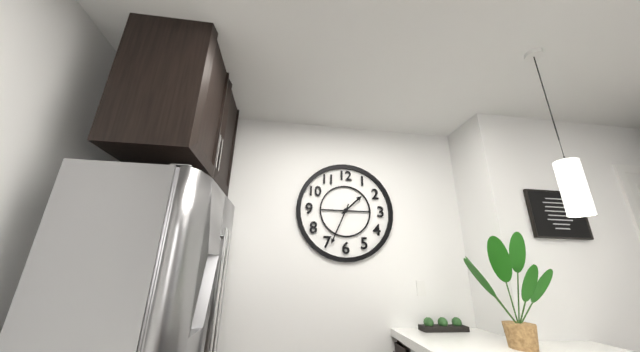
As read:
1,34
